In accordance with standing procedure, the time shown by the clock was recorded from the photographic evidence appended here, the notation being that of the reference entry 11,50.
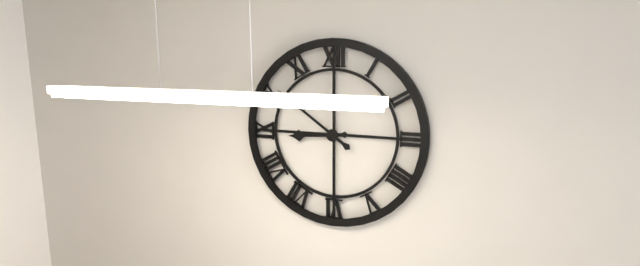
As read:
8,51
